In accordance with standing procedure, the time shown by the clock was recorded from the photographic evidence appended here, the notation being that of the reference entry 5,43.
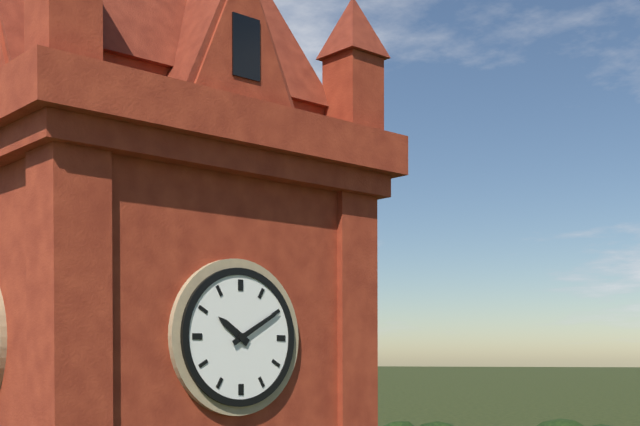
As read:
10,10
